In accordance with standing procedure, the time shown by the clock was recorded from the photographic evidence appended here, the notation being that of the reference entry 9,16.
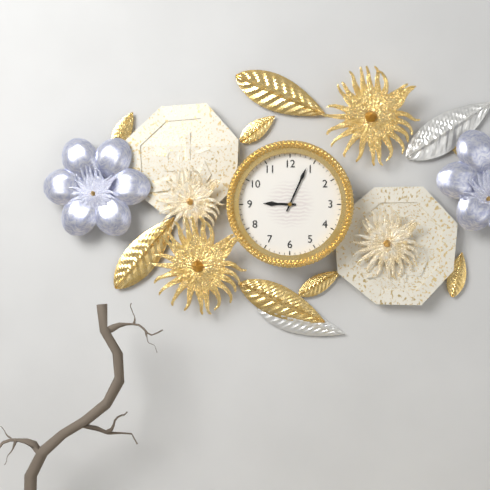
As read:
9,04
